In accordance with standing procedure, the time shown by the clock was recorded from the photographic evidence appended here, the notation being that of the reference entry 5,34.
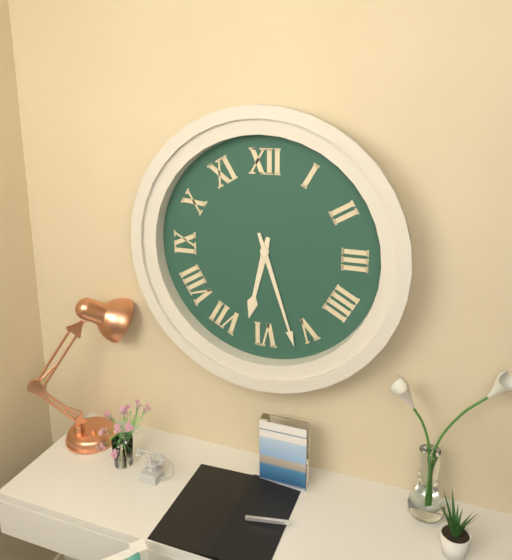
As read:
6,27
